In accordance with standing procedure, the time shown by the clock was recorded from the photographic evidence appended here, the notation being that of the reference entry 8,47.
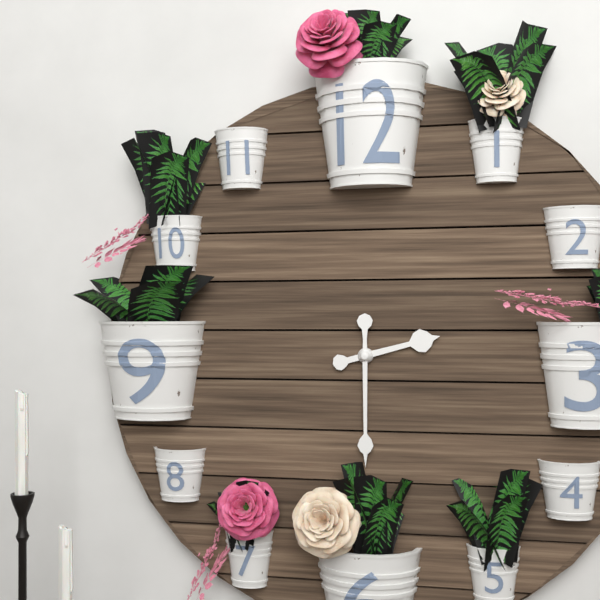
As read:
2,30
